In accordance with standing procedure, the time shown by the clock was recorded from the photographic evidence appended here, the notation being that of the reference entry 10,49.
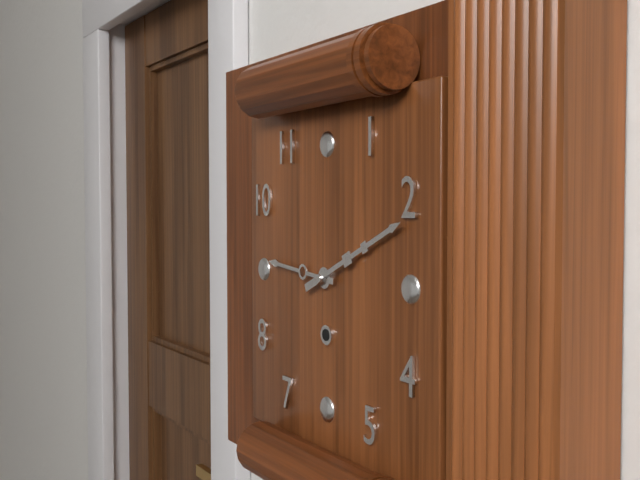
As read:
9,11
